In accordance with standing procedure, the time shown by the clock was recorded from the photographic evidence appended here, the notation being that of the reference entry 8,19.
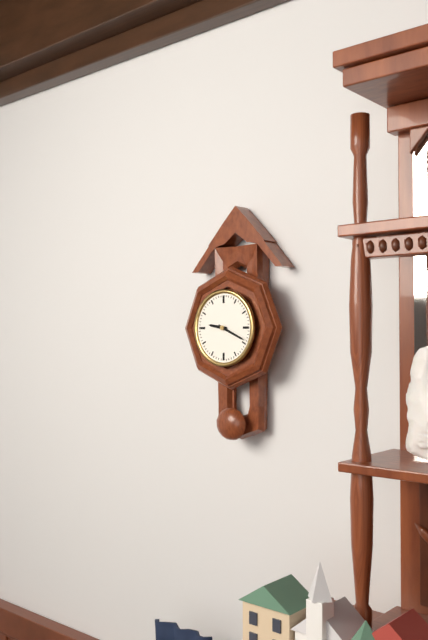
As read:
9,19
